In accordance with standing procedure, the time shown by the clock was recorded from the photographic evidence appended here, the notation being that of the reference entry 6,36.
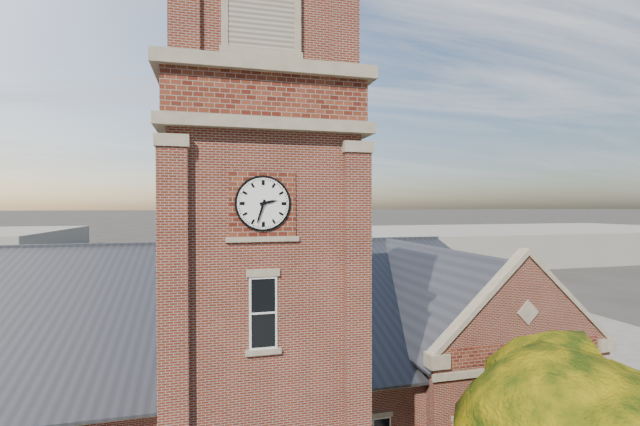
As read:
2,33
